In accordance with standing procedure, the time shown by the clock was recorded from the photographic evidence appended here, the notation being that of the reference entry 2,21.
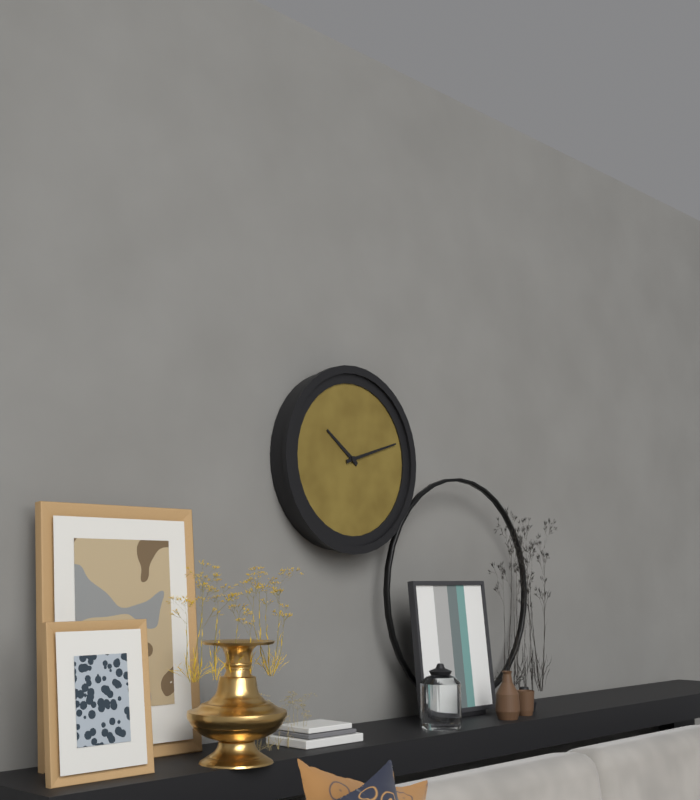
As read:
10,12
